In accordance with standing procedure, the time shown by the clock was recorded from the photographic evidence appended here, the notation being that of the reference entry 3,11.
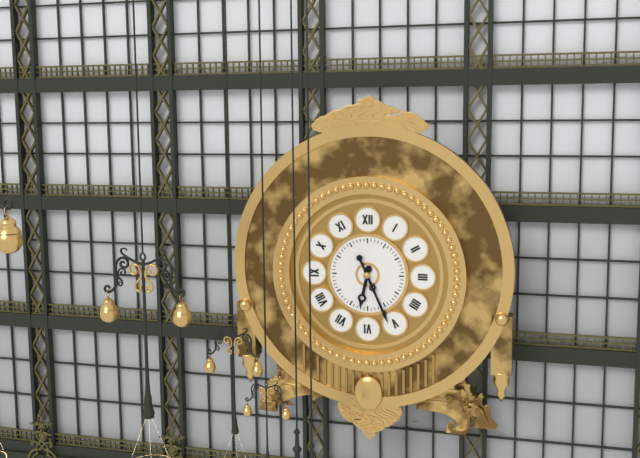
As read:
6,26
